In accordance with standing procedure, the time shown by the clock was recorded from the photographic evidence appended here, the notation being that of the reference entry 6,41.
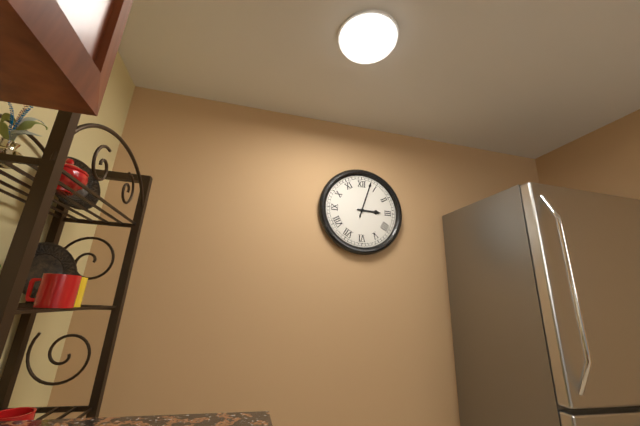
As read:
3,03
